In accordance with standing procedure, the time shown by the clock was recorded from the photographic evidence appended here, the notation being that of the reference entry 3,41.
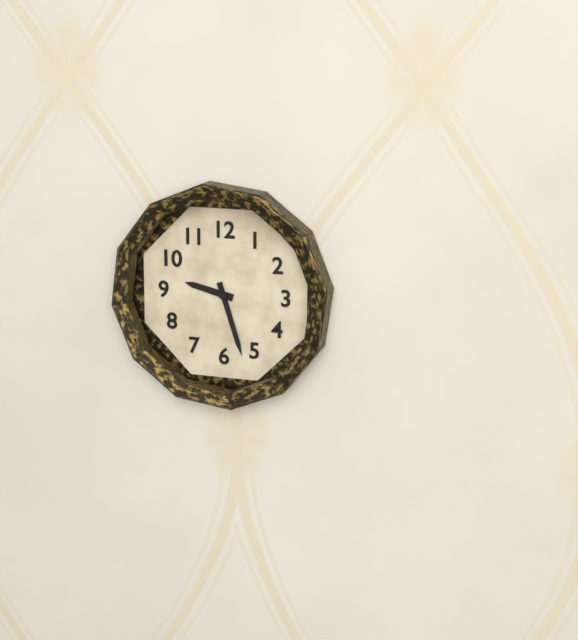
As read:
9,27
